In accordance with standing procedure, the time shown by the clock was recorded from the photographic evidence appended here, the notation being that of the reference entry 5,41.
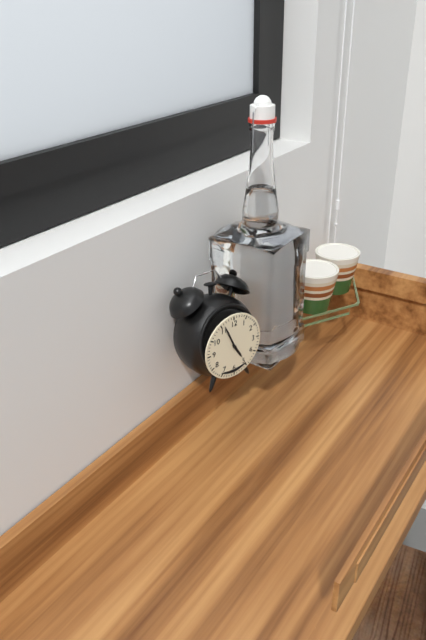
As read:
4,56
